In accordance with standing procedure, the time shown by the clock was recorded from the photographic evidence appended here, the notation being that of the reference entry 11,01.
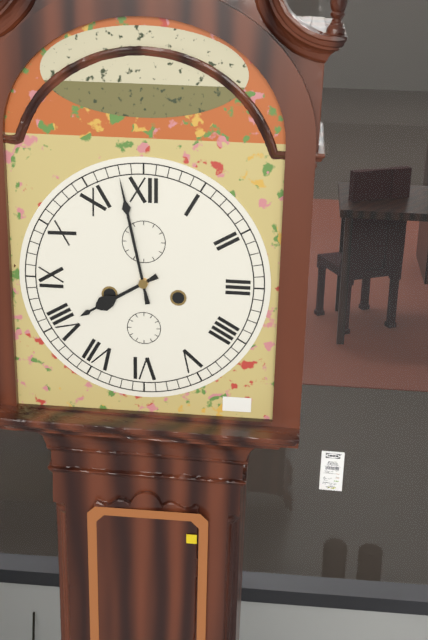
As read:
7,58
